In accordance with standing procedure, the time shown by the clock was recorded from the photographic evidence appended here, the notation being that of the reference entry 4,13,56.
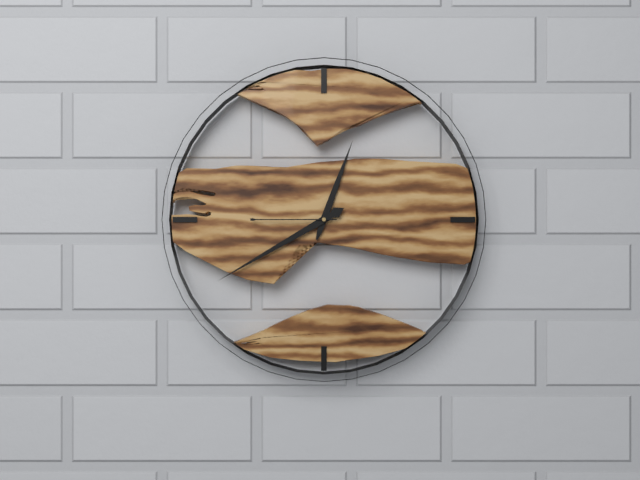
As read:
12,40,45
